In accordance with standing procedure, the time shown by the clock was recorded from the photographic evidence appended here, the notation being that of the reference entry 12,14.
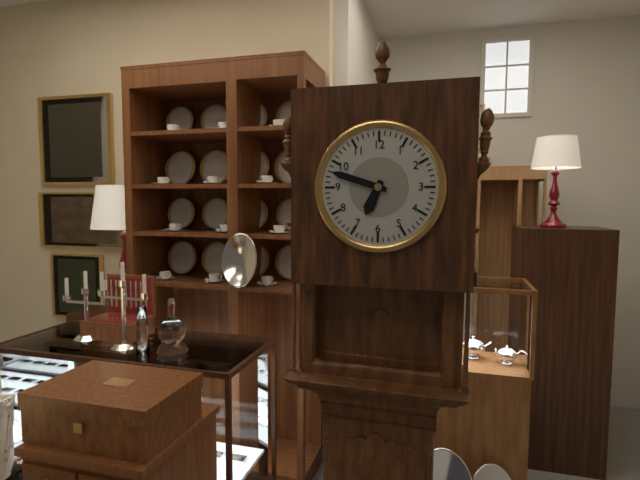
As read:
6,48
